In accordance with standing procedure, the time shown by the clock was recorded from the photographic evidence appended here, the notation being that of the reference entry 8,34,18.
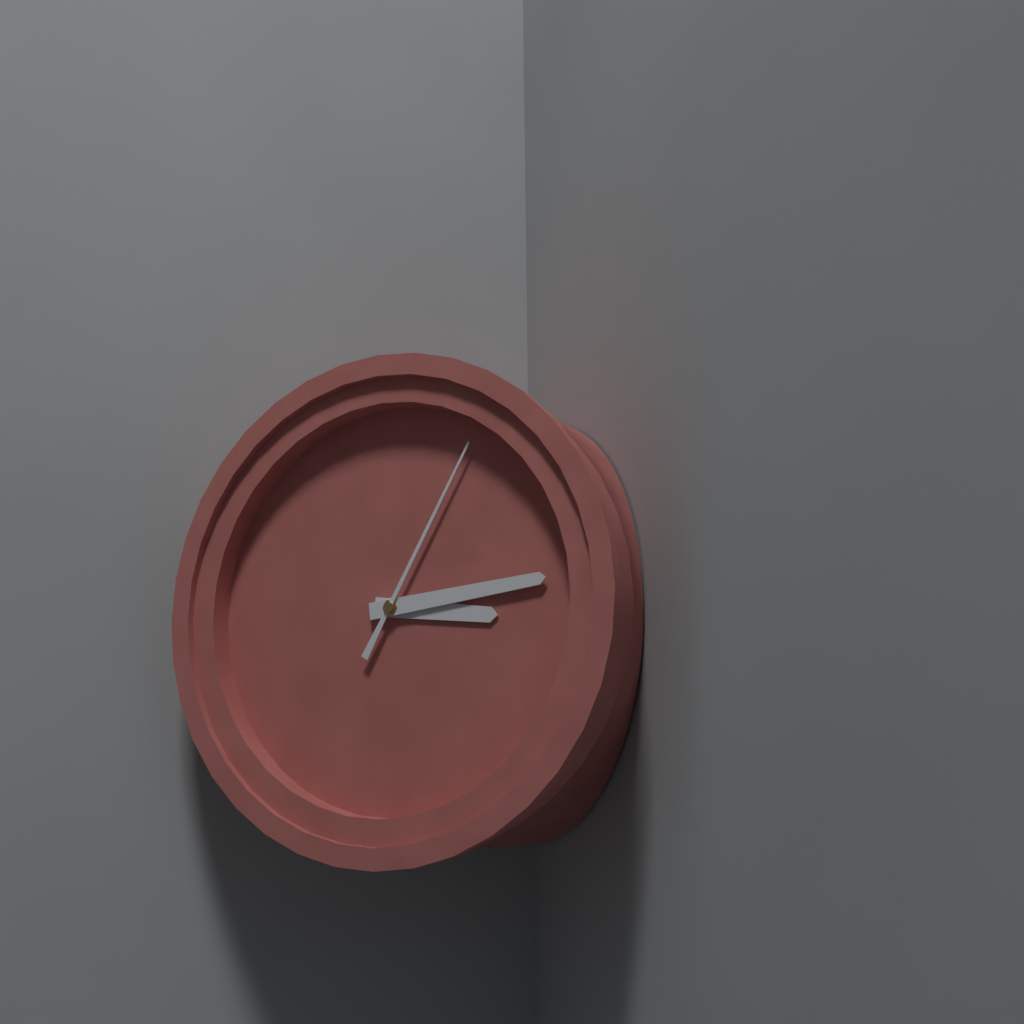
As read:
3,14,05
